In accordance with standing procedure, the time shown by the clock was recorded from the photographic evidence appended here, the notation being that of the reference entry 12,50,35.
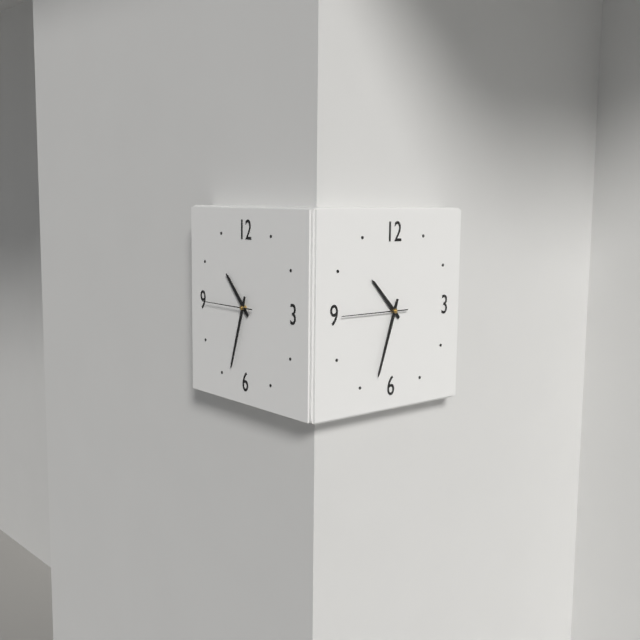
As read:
10,33,45
